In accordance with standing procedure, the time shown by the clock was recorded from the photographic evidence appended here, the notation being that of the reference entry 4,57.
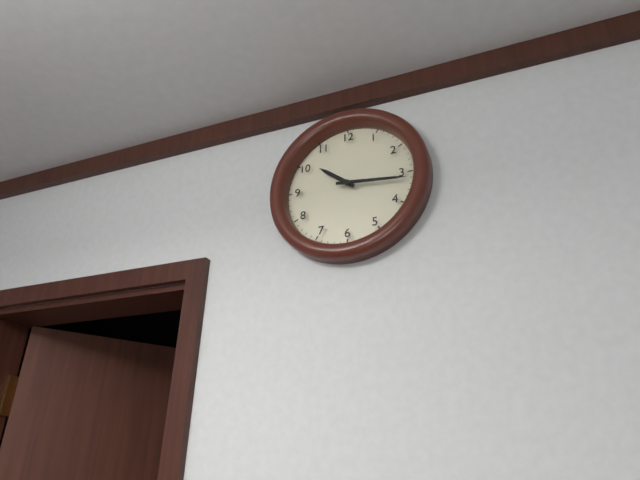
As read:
10,16
